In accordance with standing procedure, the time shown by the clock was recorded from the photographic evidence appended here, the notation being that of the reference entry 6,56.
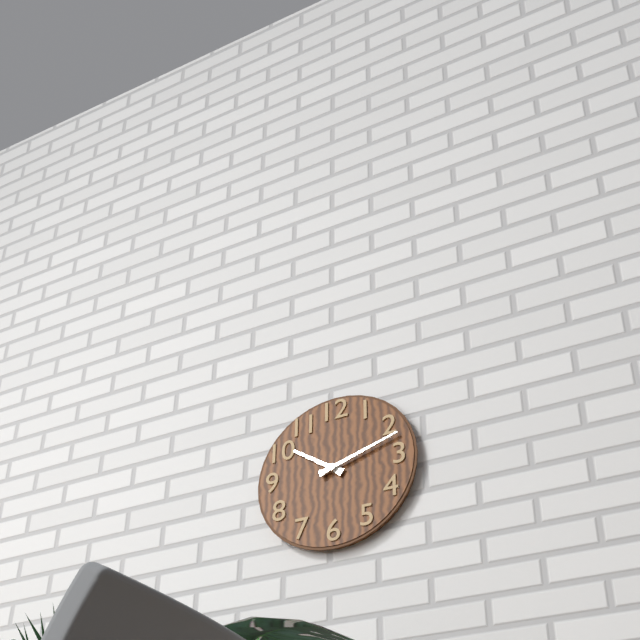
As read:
10,12
